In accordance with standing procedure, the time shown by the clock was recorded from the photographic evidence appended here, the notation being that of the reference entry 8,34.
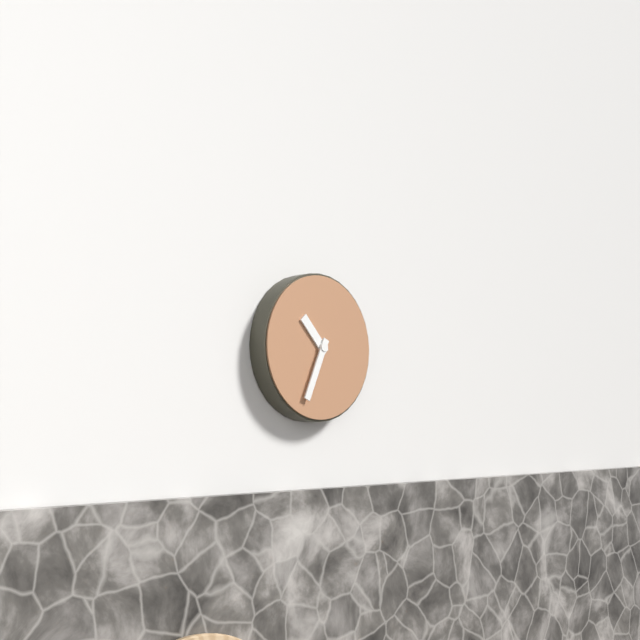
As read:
10,34
